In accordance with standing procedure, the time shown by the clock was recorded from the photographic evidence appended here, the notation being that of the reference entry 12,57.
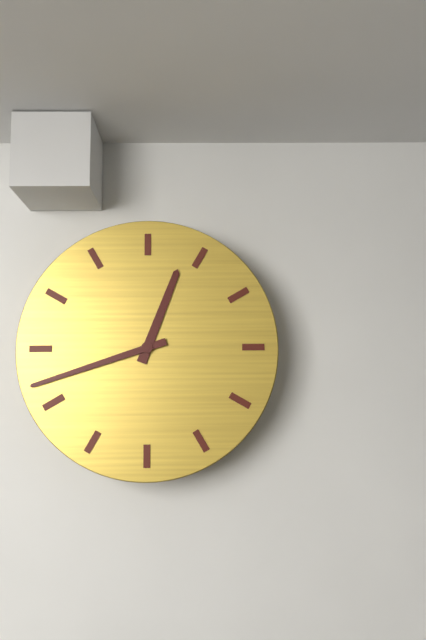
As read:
12,42
